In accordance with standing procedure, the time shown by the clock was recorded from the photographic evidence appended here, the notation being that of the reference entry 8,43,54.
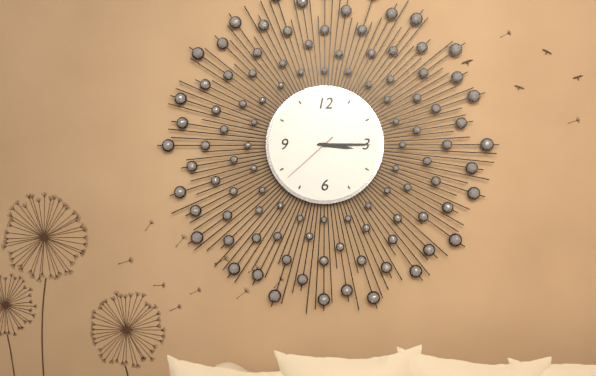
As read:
3,15,38
